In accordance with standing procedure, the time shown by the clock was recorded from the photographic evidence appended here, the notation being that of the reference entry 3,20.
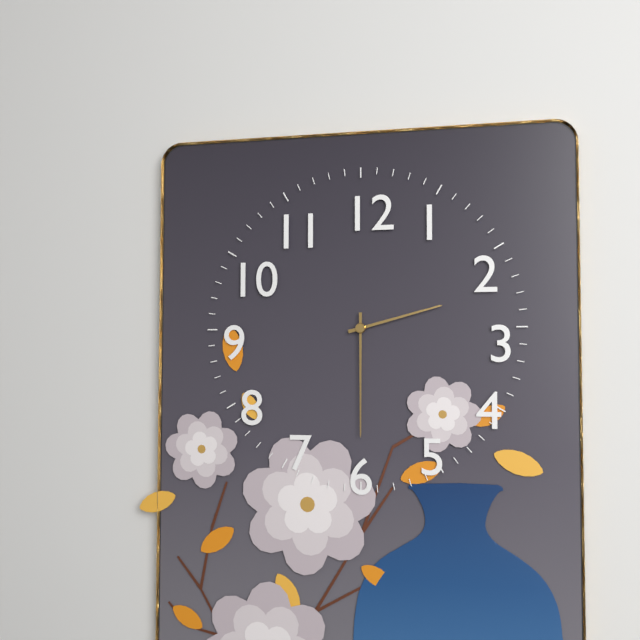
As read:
2,30
